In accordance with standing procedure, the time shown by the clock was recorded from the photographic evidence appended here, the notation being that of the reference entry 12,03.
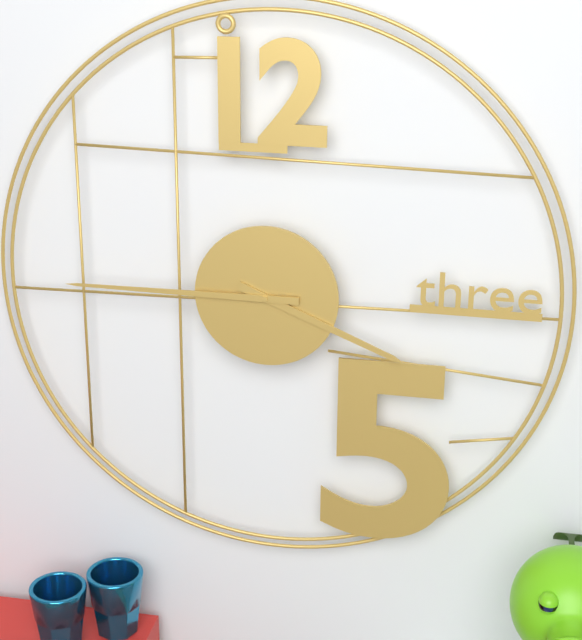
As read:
3,45
